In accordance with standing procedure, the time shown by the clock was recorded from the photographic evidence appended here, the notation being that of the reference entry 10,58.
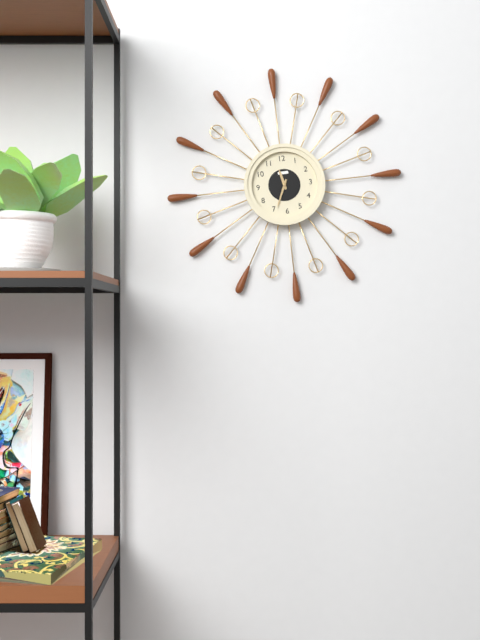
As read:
11,34
